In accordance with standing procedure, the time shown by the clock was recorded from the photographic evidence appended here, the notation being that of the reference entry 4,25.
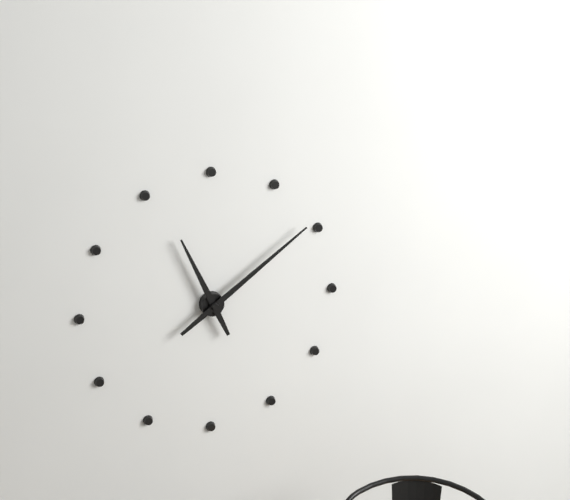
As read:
11,09
